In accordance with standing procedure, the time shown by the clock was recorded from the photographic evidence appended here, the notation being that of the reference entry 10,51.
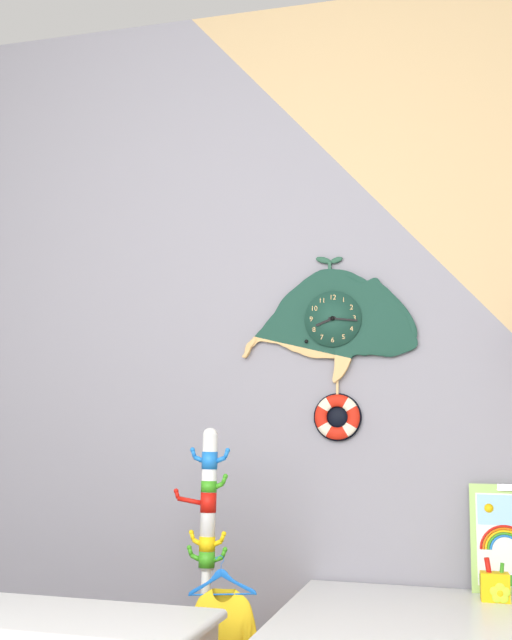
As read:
8,16
